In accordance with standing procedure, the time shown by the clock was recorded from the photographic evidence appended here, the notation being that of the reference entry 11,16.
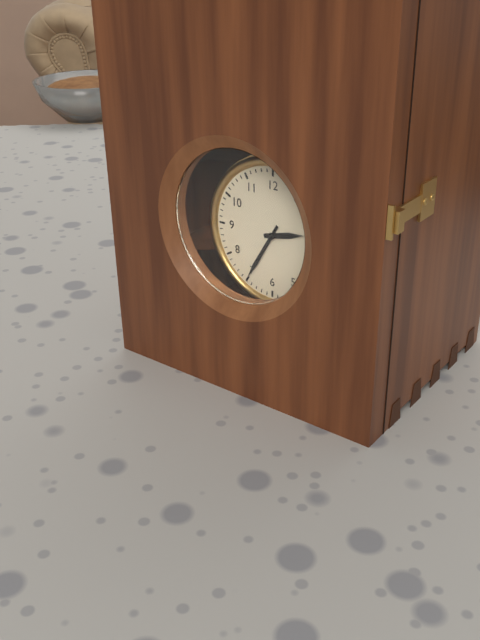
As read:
2,35
